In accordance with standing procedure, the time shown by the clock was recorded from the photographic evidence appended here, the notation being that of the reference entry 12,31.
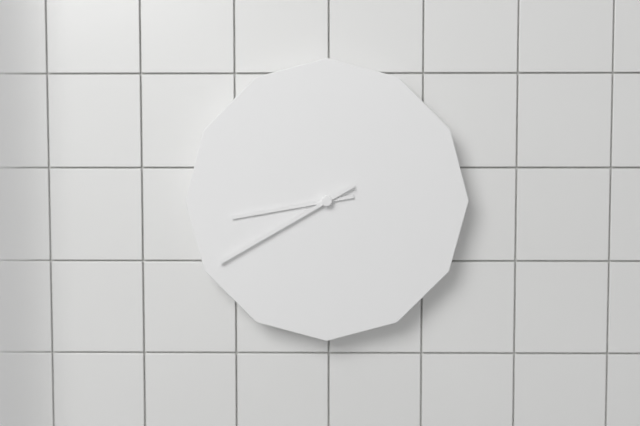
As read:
8,40
